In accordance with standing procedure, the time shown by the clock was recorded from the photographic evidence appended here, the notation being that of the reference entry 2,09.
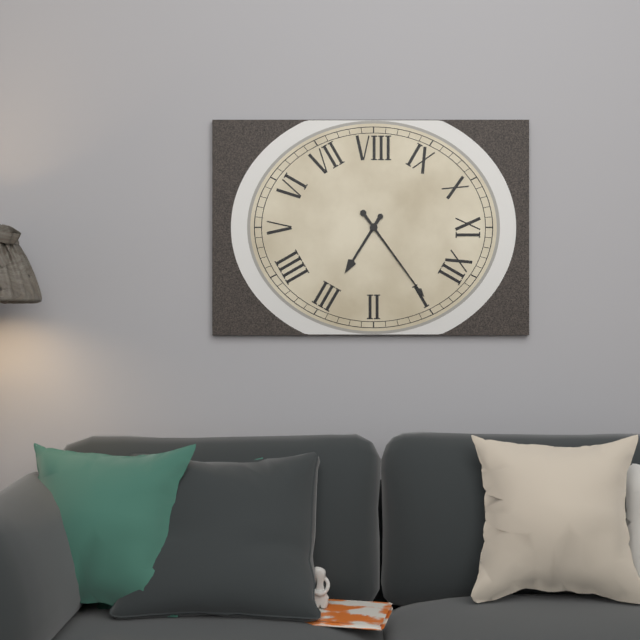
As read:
3,04
